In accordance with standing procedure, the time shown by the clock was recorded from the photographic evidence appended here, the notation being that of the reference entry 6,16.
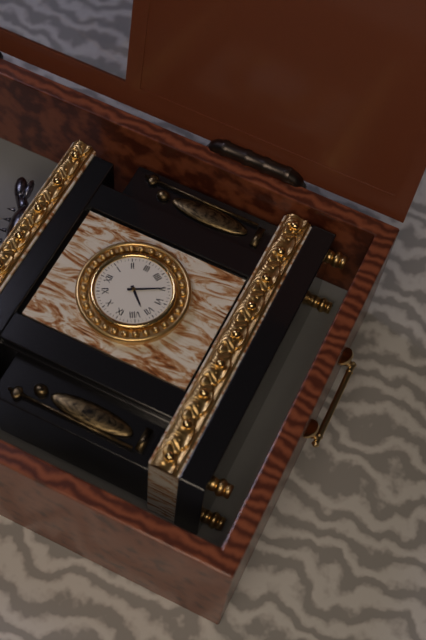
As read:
7,25
